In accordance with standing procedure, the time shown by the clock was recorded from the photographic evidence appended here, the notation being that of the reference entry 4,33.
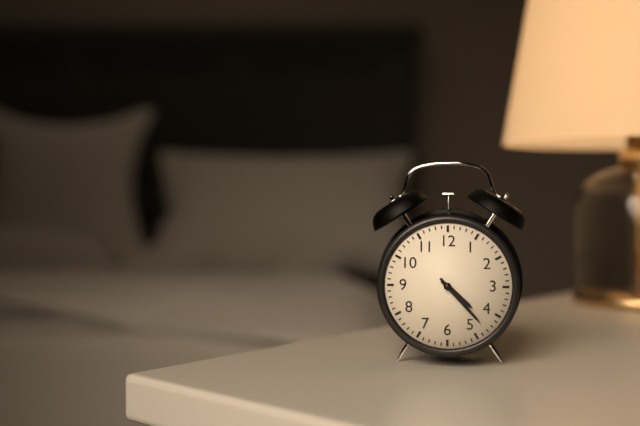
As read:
4,23
